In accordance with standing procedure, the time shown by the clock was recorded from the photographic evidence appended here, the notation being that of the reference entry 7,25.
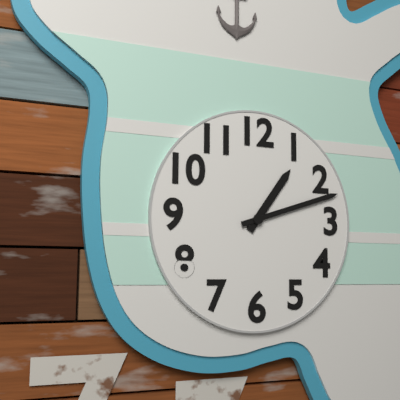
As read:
1,12
